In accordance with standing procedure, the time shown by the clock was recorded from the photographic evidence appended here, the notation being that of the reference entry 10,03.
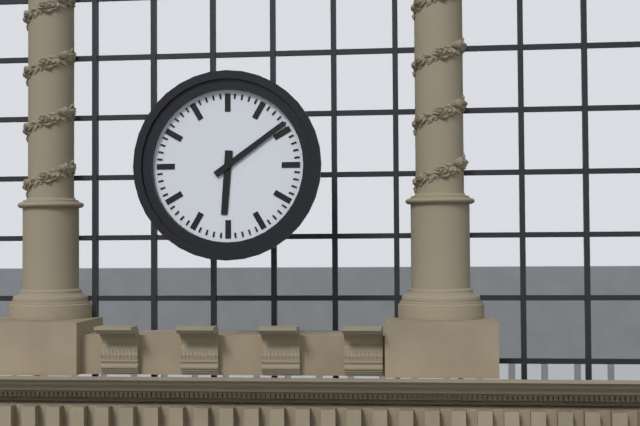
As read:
6,09
